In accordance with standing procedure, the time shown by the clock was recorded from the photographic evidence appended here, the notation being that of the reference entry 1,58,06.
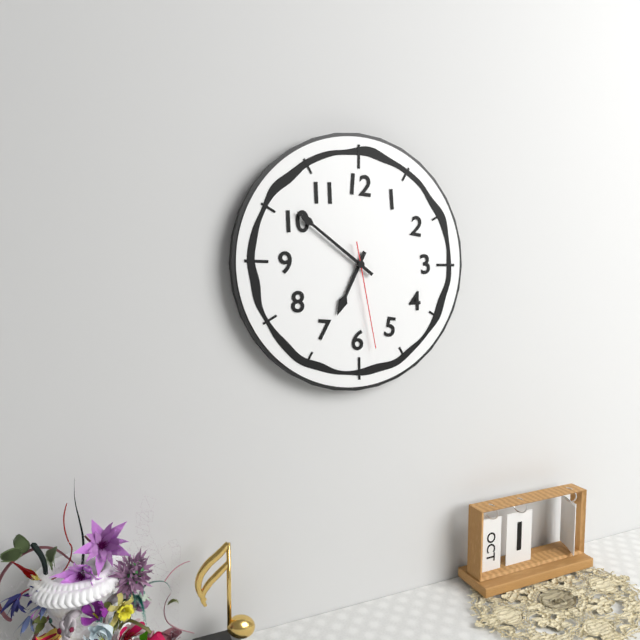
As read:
6,51,28
